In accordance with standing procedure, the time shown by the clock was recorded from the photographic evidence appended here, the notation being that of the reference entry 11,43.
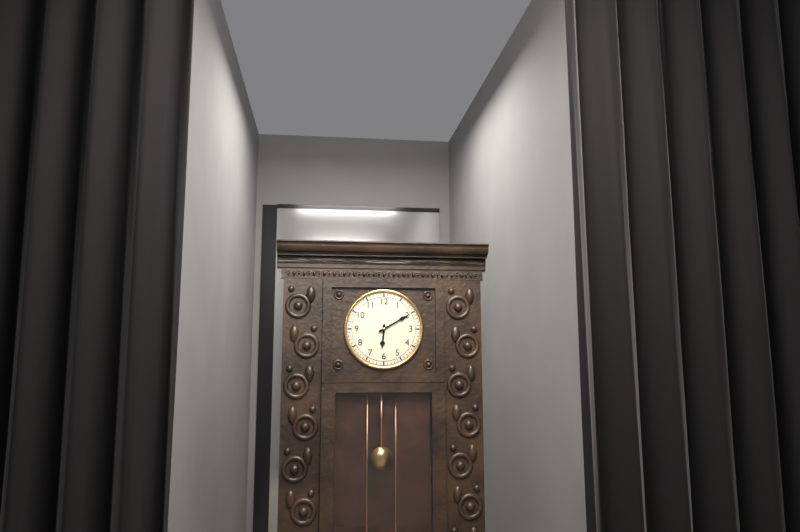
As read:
6,10
